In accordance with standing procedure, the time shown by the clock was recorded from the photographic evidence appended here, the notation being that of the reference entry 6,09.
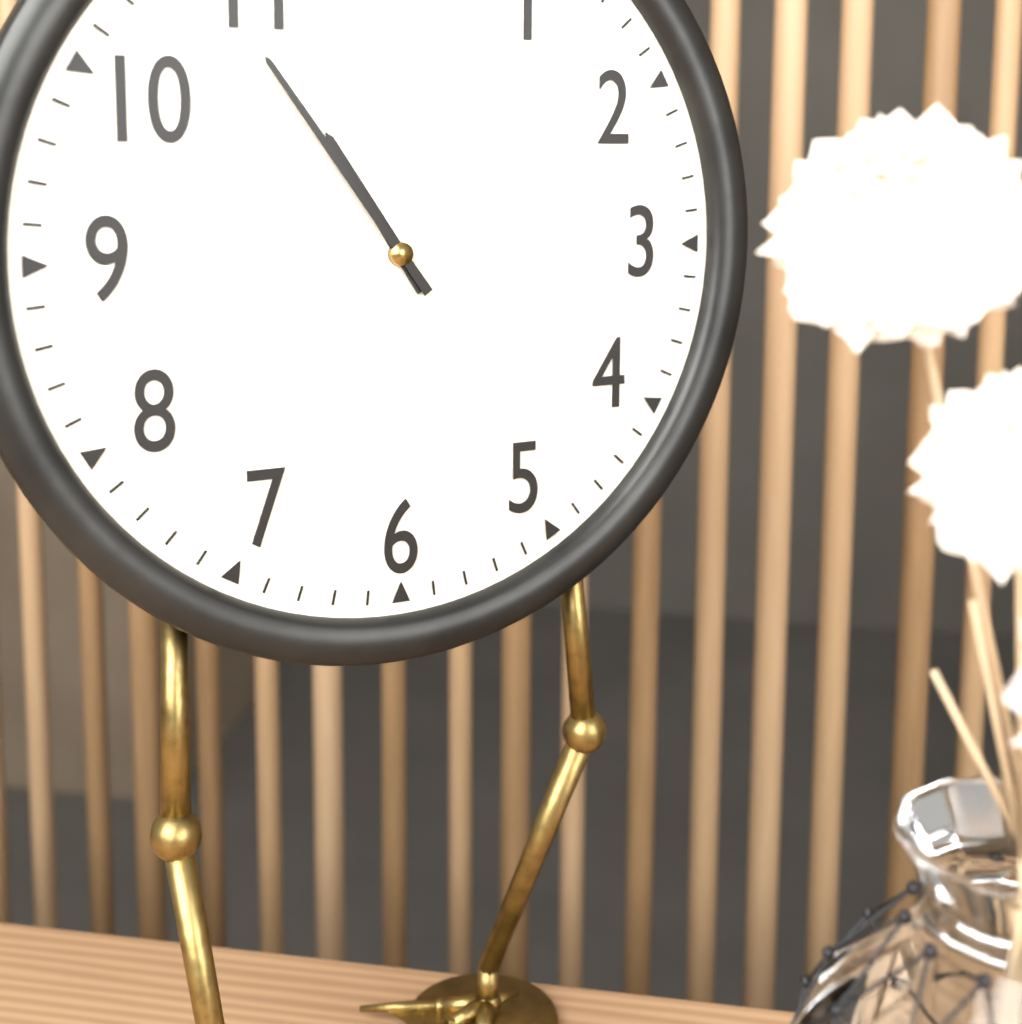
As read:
10,54
